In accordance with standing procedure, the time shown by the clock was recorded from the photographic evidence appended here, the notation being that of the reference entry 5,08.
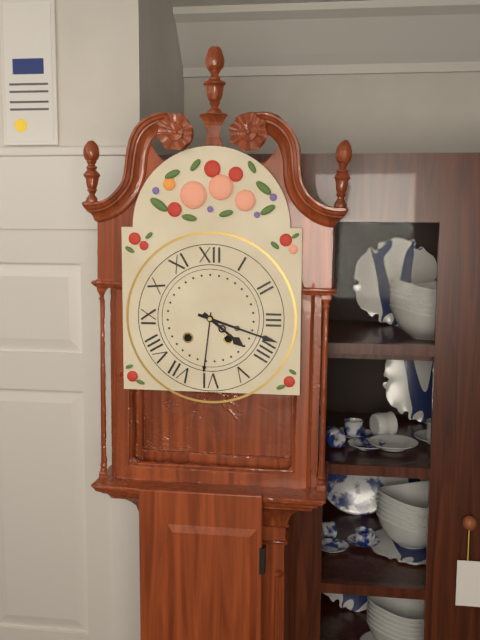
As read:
4,18
